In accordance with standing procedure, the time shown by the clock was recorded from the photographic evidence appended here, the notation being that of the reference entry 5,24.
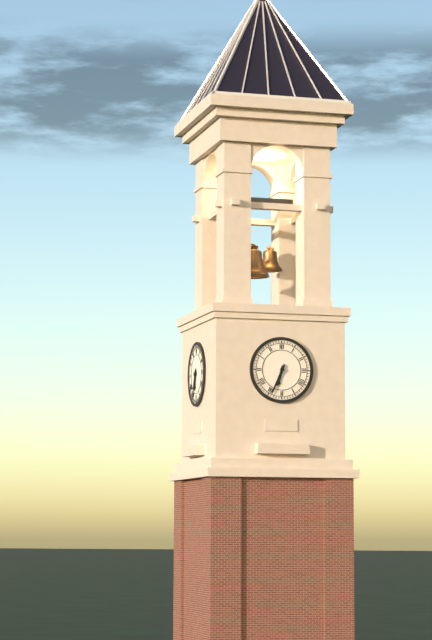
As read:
6,34
